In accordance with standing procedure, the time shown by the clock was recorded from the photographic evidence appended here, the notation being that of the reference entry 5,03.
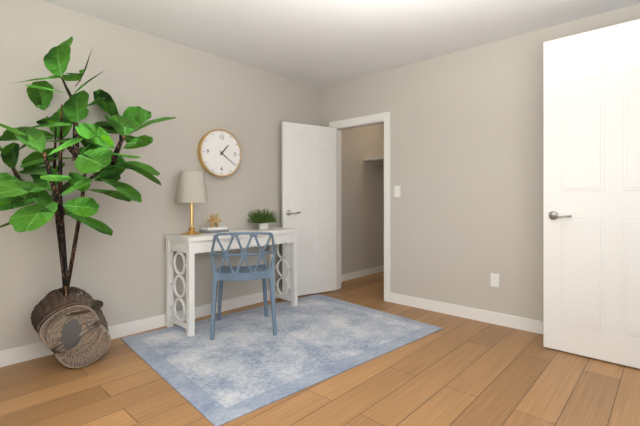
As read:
1,21
